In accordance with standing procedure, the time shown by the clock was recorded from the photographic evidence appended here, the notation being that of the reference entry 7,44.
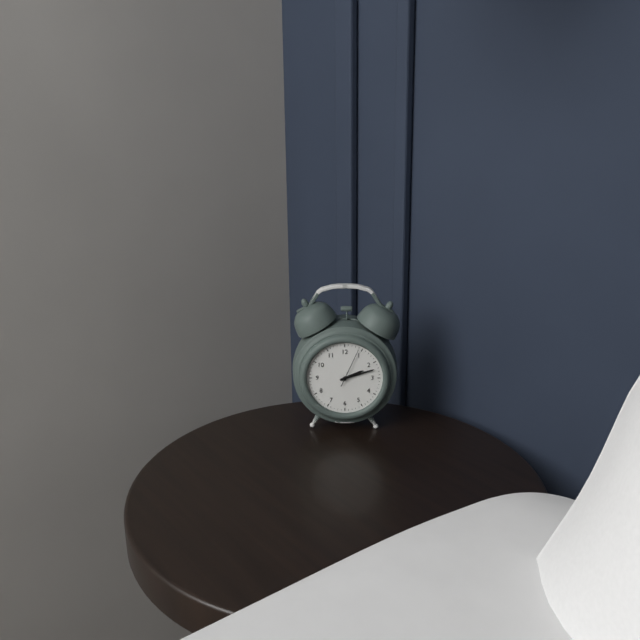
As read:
2,12
